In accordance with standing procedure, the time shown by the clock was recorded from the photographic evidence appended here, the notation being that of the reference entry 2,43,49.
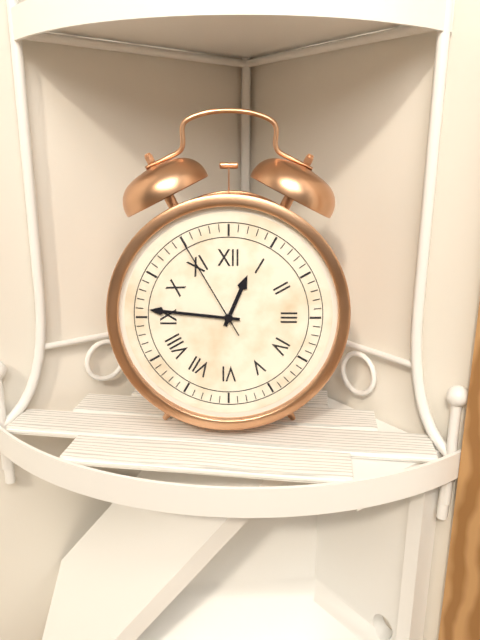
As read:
12,46,55
